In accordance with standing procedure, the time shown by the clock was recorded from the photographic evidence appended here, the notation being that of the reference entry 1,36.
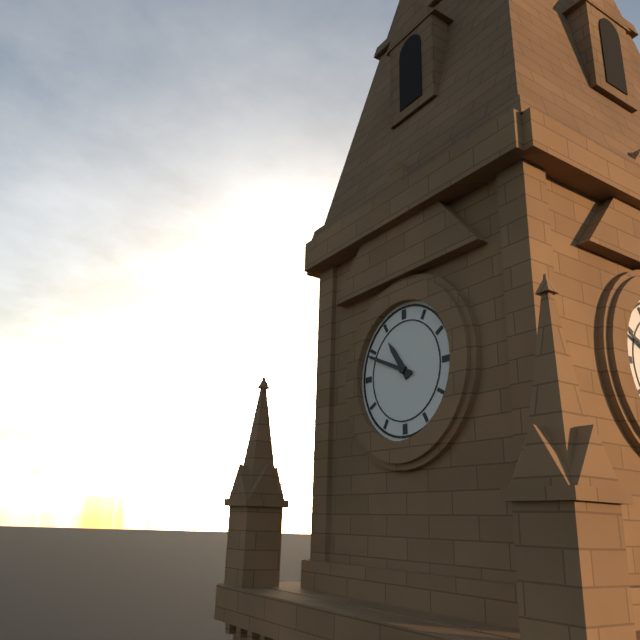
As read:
10,49
